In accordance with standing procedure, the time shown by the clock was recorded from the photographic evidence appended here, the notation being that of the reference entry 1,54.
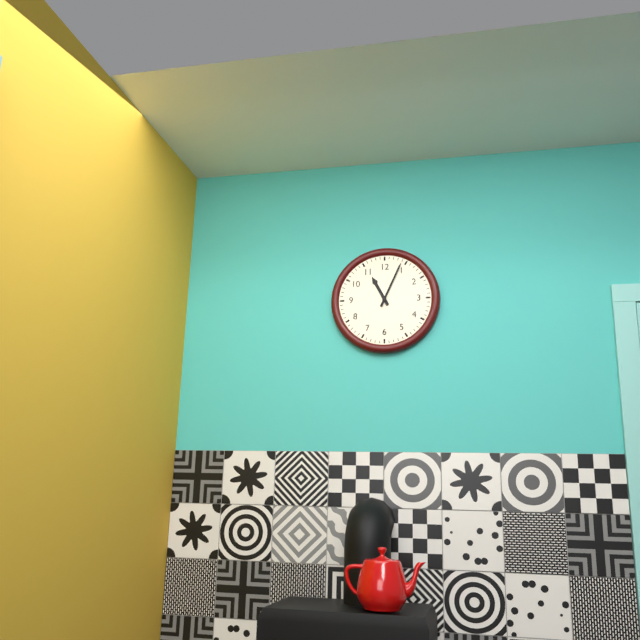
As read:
11,04
